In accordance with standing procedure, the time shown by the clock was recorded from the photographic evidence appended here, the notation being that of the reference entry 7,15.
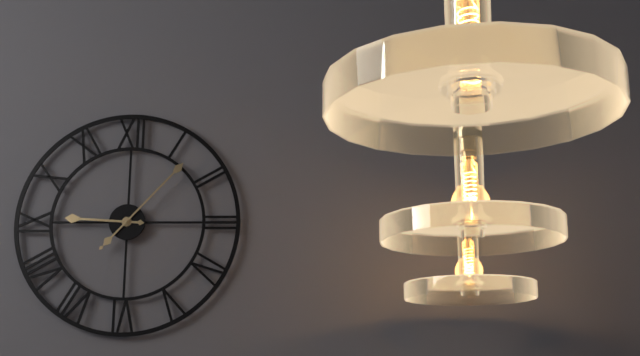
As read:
9,07
